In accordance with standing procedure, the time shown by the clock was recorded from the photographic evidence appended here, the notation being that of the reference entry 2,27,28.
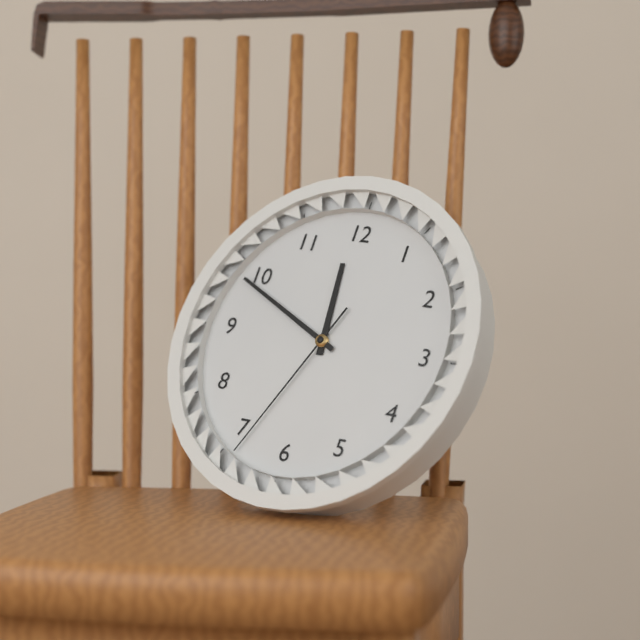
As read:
11,49,34
